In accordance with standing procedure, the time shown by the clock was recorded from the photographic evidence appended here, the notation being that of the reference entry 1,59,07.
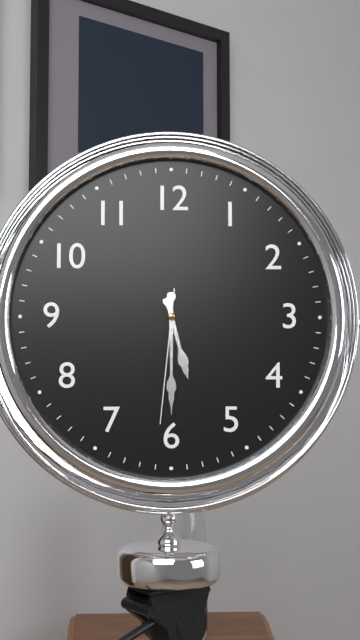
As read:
5,30,31
